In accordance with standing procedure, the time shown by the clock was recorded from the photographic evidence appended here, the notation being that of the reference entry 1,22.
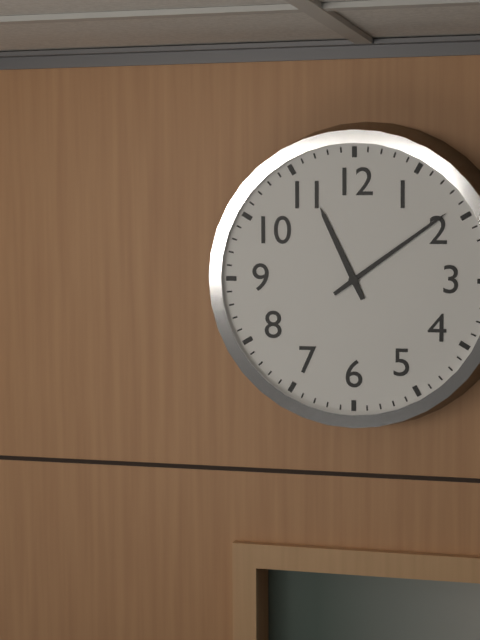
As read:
11,09
